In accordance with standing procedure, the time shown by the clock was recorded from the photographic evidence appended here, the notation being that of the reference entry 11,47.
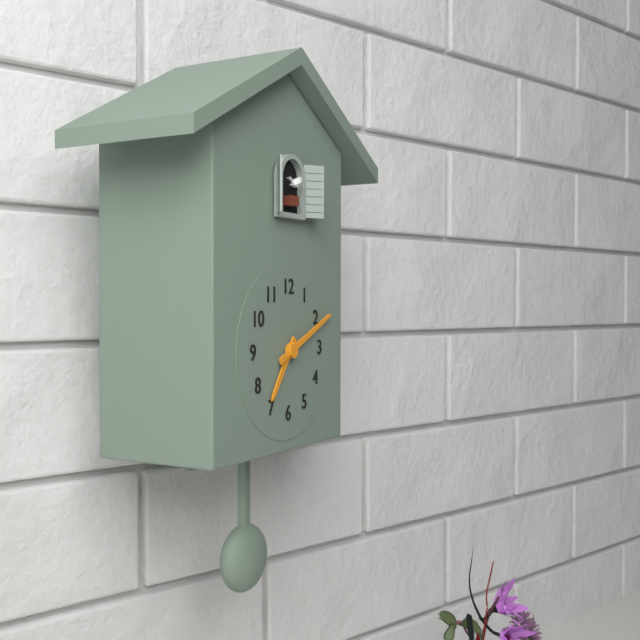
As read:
7,11
